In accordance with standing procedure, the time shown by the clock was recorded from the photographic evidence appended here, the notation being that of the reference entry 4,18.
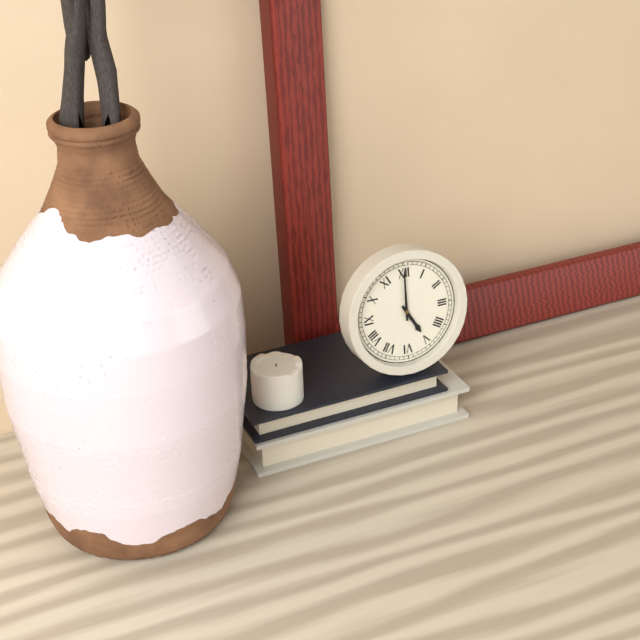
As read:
5,00
